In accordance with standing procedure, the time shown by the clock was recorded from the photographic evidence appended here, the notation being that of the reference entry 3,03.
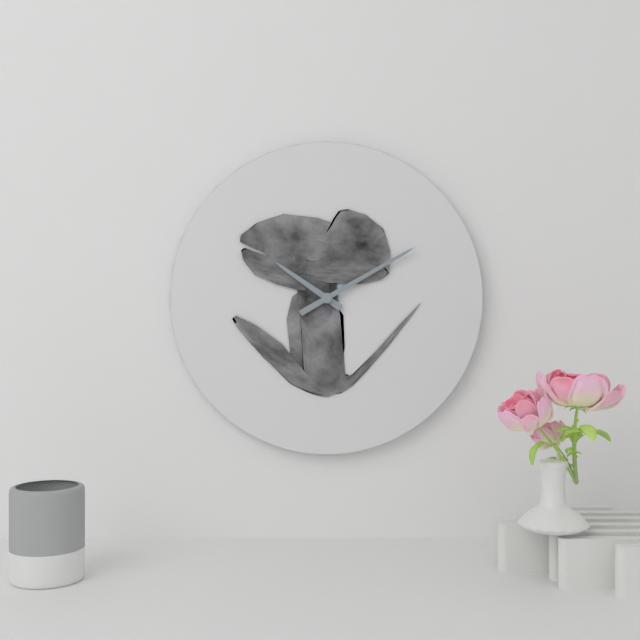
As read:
10,10
